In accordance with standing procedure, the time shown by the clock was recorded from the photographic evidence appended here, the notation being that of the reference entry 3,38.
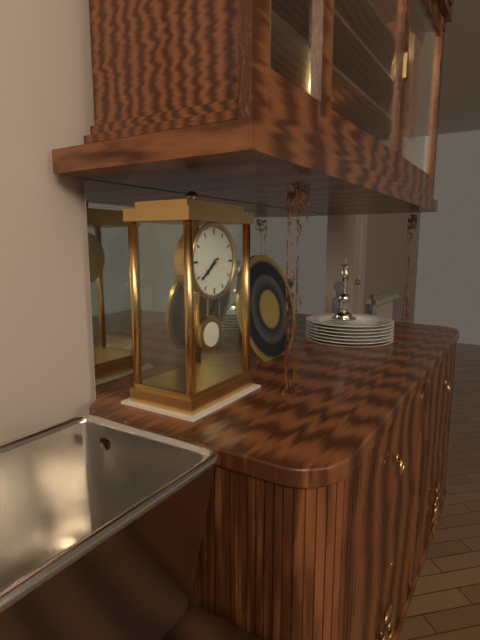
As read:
7,39
